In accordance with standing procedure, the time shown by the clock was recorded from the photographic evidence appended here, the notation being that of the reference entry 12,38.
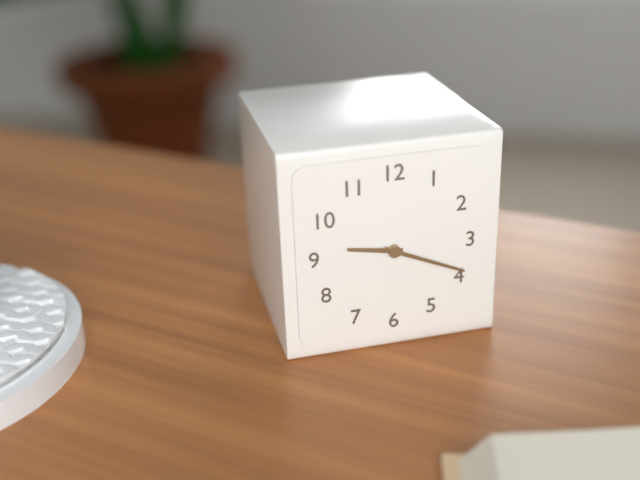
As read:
9,19
